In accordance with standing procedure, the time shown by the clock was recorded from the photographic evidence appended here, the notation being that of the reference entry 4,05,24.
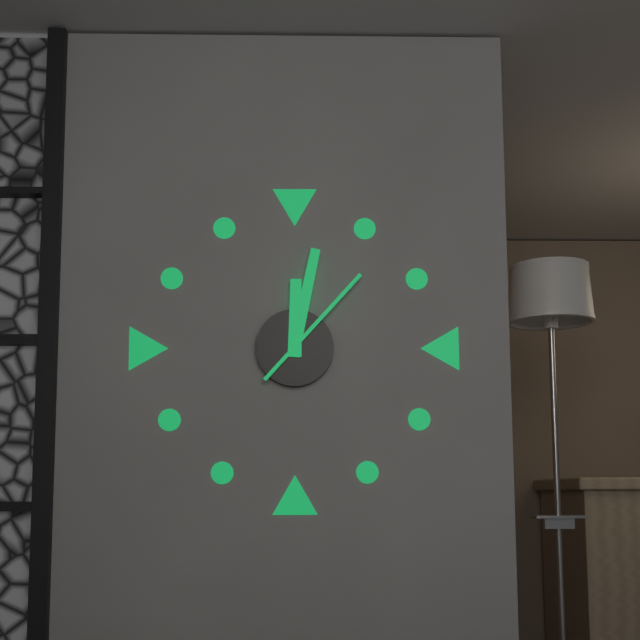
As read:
12,02,07
